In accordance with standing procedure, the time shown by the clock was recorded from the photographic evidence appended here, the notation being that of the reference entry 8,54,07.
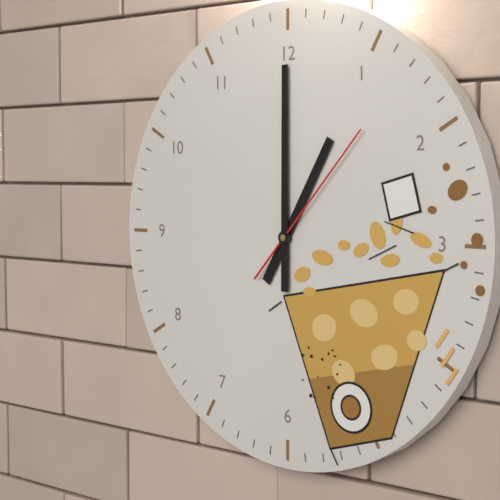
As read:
1,00,07
